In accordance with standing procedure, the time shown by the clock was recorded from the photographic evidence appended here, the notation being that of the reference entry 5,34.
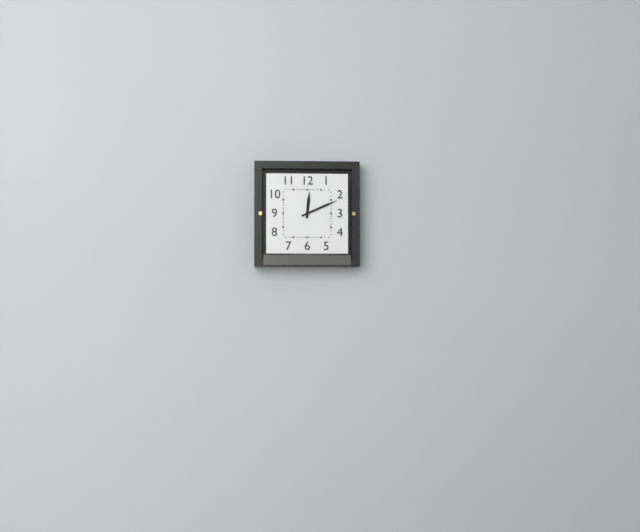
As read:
12,11
